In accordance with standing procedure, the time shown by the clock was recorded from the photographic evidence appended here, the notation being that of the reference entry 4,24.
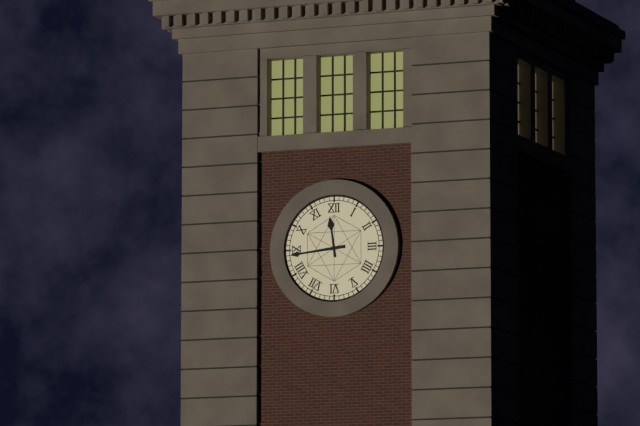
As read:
11,44
